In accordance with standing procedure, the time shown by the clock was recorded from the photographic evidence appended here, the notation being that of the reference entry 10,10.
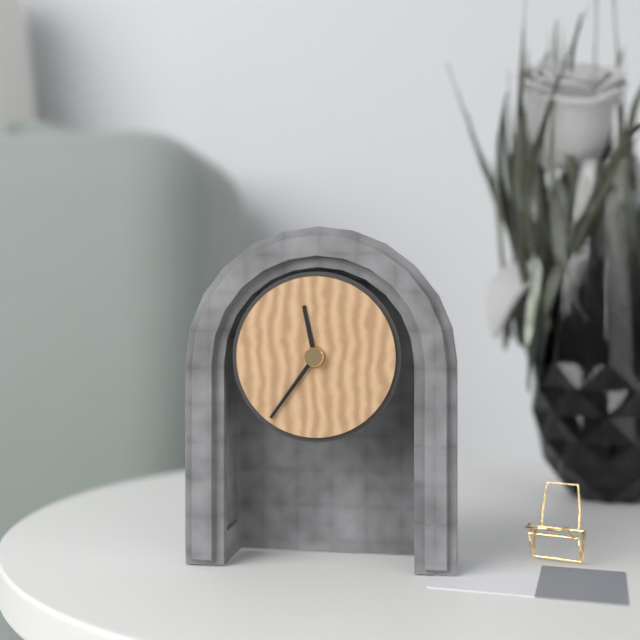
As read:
11,36
